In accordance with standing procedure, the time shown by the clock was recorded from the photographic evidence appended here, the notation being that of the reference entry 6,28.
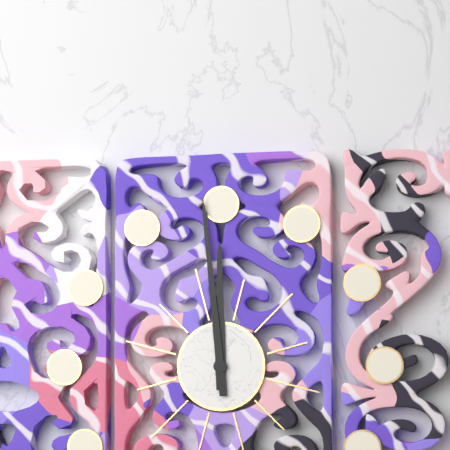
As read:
11,59
